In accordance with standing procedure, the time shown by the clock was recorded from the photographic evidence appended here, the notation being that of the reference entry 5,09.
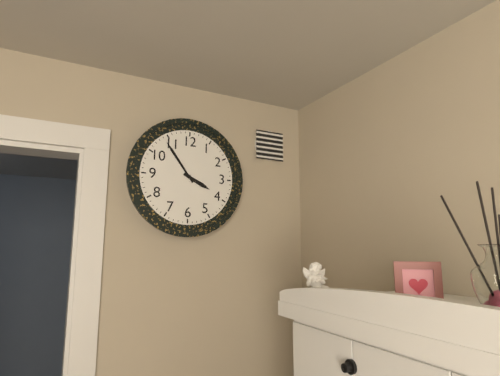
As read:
3,54
